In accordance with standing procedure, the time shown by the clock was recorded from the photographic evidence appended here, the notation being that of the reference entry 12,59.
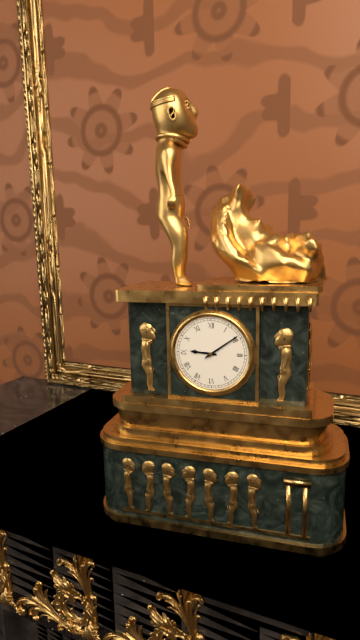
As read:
9,09
